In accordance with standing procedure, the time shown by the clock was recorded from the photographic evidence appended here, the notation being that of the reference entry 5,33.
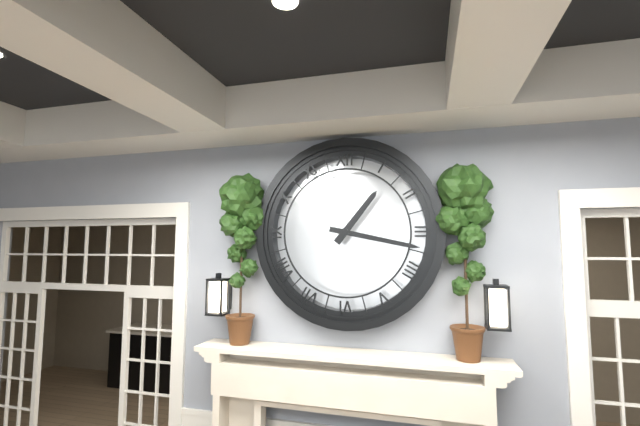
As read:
1,17
